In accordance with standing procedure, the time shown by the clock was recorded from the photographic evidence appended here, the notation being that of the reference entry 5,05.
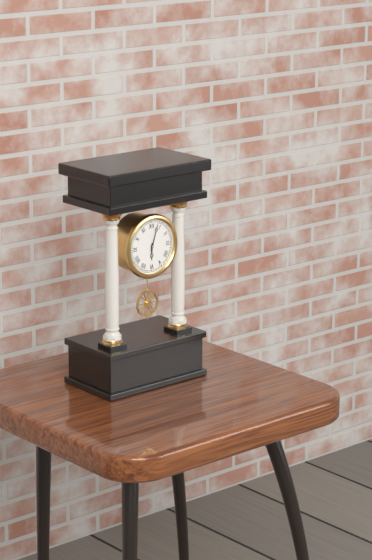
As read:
6,03
